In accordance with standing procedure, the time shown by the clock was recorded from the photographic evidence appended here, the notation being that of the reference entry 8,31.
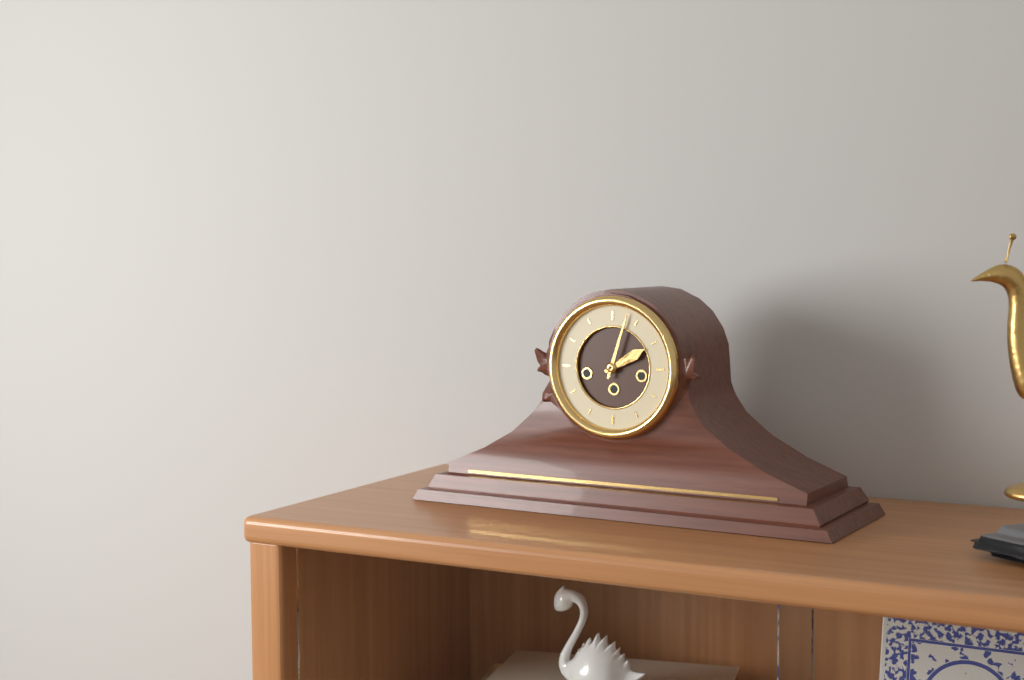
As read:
2,03
